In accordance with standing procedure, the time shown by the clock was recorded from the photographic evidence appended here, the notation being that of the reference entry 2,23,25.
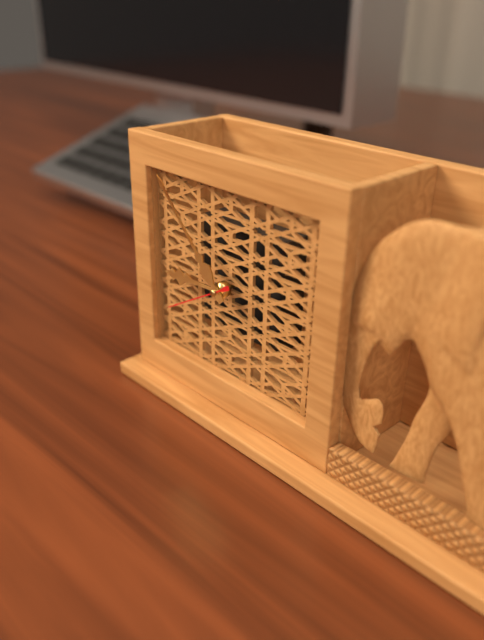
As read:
8,53,40
